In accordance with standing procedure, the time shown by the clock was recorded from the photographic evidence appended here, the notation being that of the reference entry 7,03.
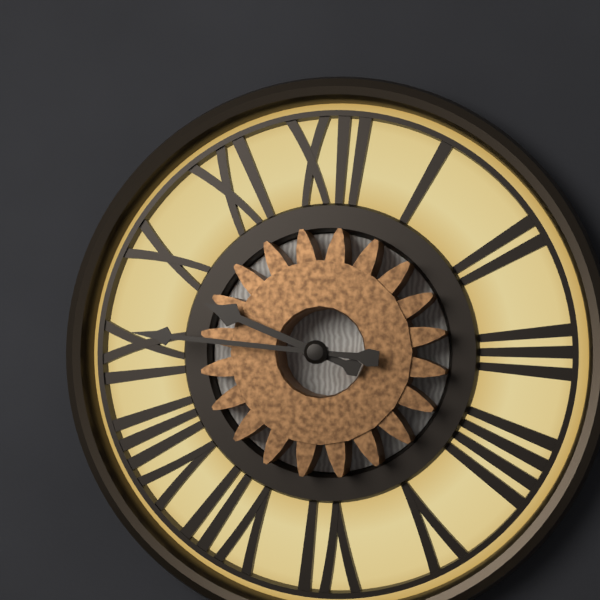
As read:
9,46
